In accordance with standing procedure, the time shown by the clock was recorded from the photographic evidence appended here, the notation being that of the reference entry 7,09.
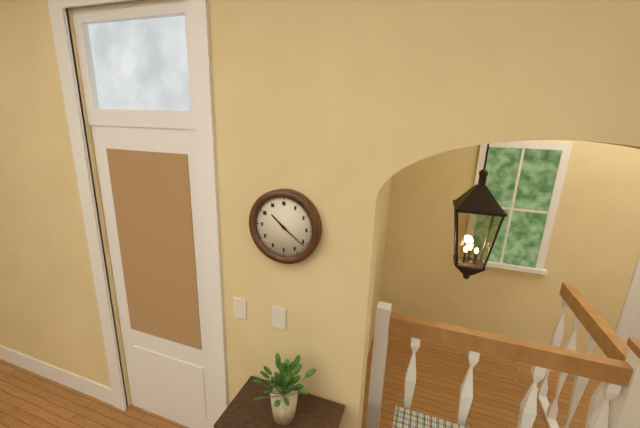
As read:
10,21
